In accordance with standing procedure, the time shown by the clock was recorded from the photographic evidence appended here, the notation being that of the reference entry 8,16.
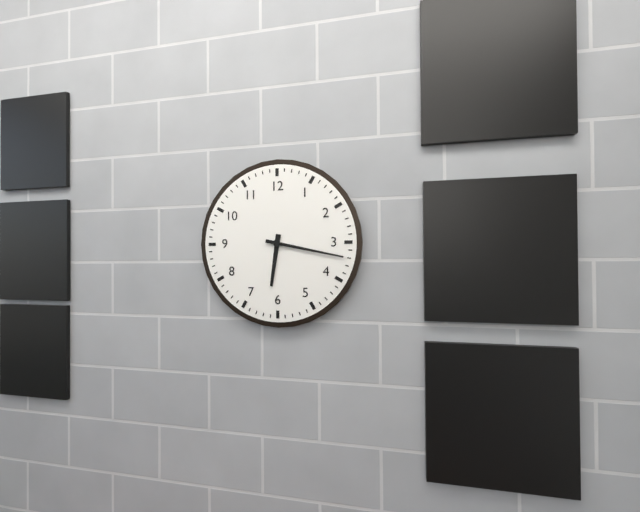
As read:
6,17
